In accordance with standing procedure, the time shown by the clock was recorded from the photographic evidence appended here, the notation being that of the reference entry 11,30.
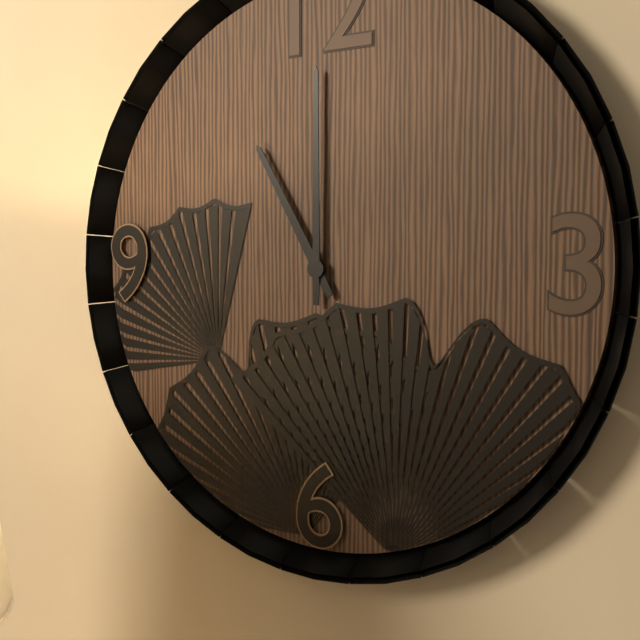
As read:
11,00
